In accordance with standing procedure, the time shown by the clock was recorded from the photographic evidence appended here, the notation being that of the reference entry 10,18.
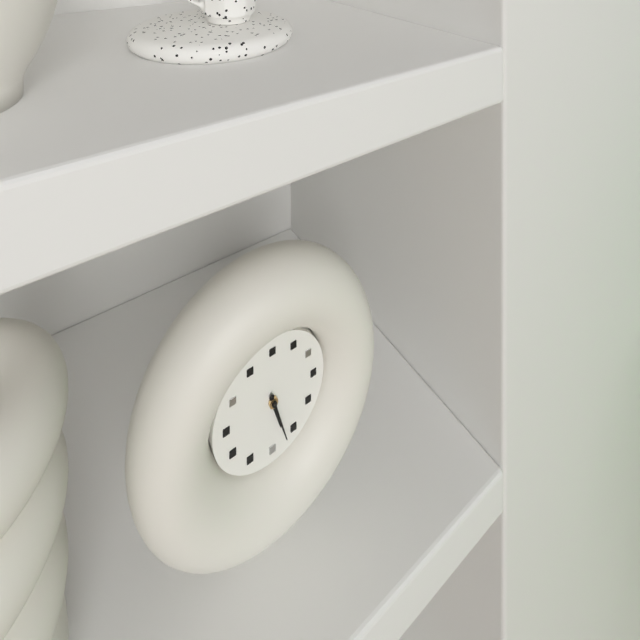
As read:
5,27
